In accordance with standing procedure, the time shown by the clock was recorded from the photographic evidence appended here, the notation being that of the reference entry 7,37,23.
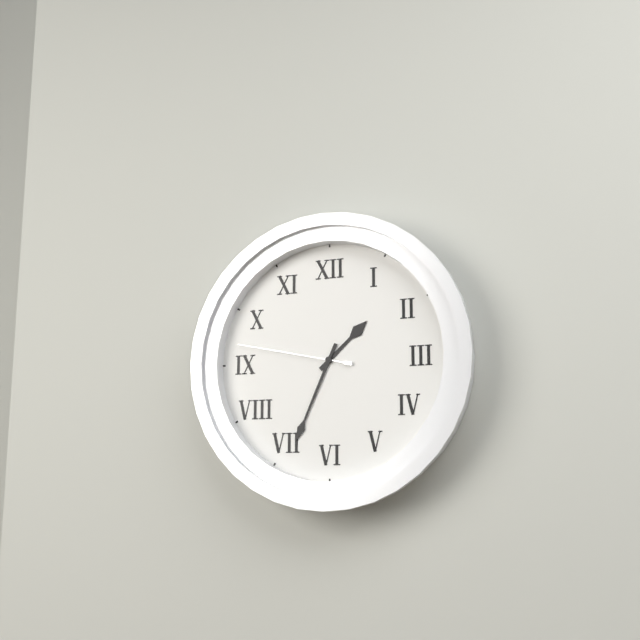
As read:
1,34,47
